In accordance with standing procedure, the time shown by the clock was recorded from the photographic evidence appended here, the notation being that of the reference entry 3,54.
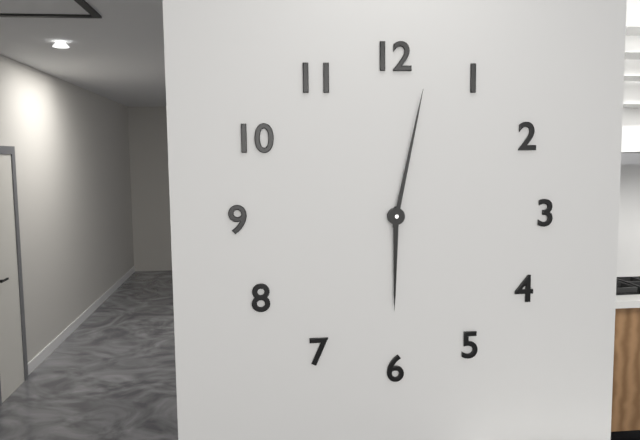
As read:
6,02
